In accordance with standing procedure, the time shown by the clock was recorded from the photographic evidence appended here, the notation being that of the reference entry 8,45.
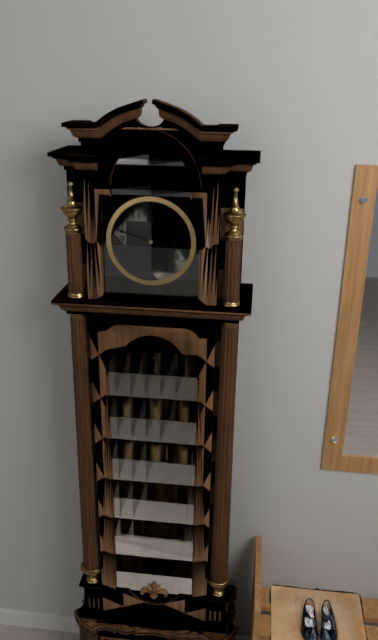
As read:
11,48
